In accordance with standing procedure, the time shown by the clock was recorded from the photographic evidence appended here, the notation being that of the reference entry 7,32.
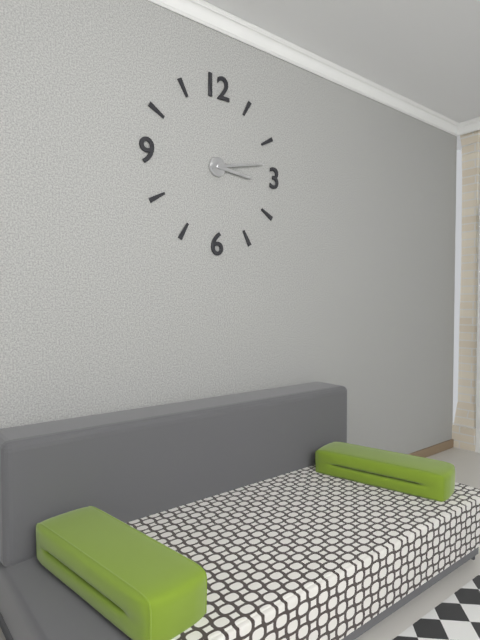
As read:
3,13
